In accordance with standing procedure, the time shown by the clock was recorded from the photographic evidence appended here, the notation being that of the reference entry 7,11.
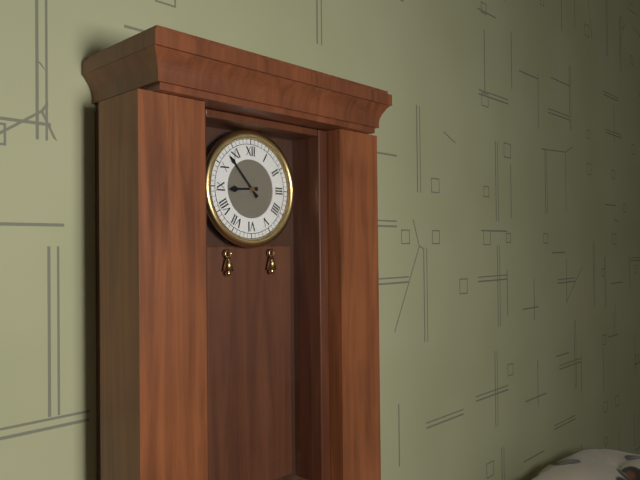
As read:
8,53
